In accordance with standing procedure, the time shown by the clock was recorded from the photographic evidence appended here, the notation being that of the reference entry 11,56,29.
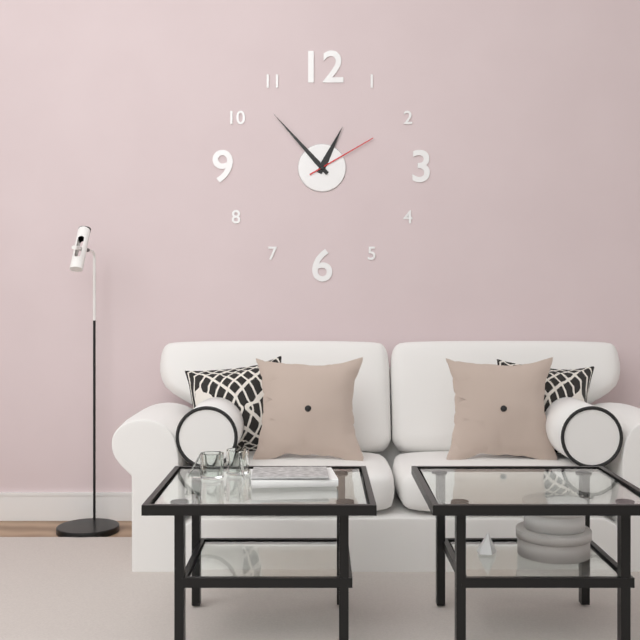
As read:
12,53,10
